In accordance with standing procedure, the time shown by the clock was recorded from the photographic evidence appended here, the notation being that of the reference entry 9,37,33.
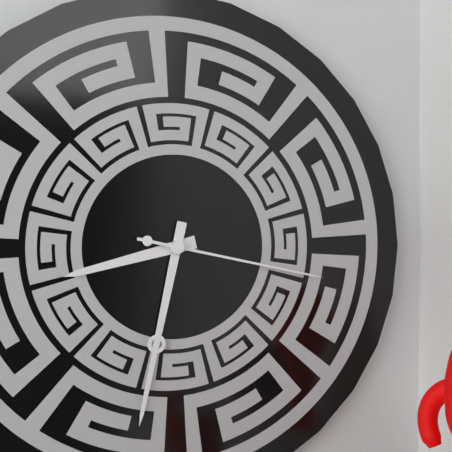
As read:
8,32,17
